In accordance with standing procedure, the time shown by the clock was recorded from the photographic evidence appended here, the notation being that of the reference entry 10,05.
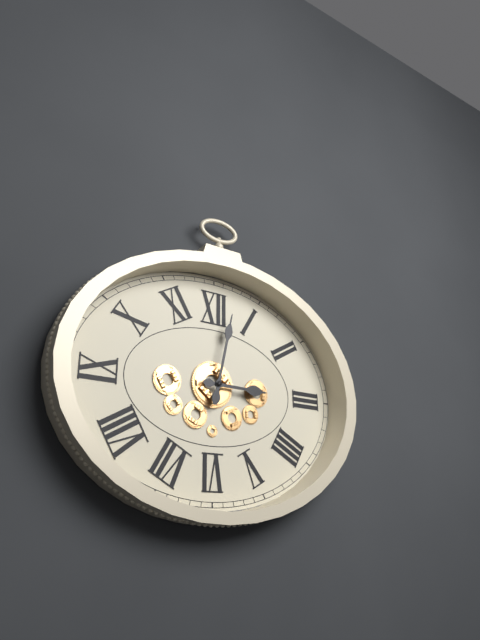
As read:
3,02
